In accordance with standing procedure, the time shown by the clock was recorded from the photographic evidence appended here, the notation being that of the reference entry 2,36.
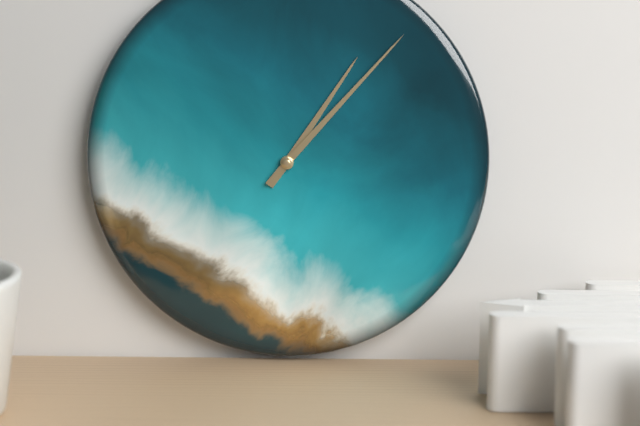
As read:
1,07
